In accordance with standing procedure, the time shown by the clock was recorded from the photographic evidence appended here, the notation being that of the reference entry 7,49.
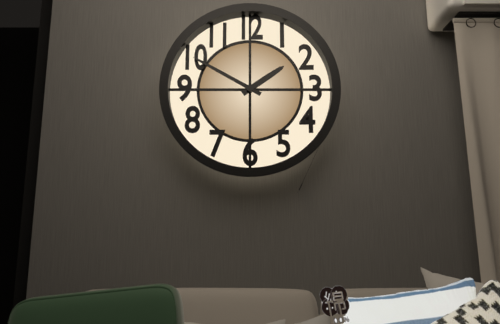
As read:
1,50
